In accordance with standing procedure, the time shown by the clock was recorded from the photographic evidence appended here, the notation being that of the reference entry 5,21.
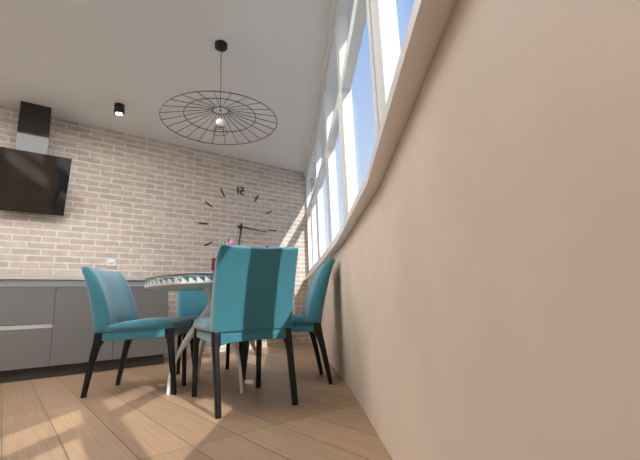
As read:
6,16
